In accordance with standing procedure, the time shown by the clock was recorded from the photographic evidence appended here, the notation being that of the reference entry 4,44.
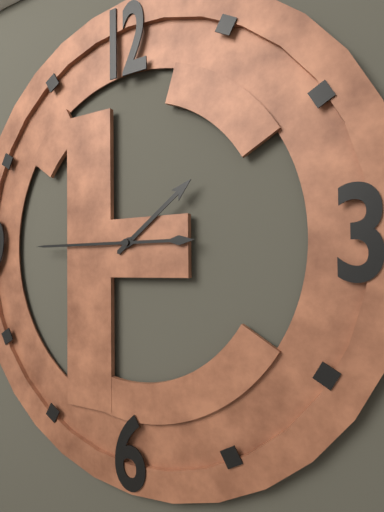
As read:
1,45
